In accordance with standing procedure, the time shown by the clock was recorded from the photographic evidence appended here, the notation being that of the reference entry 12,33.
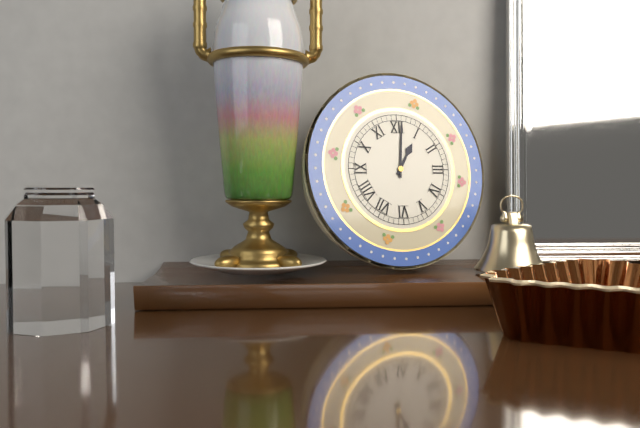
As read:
1,01
